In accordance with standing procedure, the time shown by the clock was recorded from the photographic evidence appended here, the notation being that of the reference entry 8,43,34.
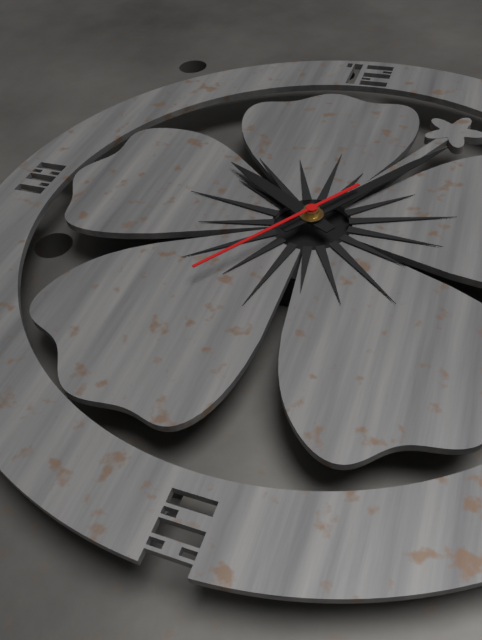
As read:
10,06,36
